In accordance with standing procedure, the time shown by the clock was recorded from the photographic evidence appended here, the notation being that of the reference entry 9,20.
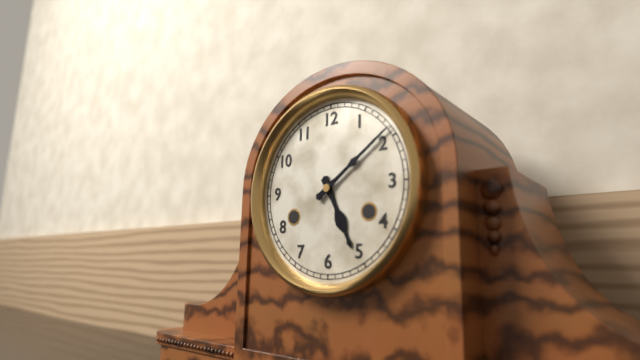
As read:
5,09
